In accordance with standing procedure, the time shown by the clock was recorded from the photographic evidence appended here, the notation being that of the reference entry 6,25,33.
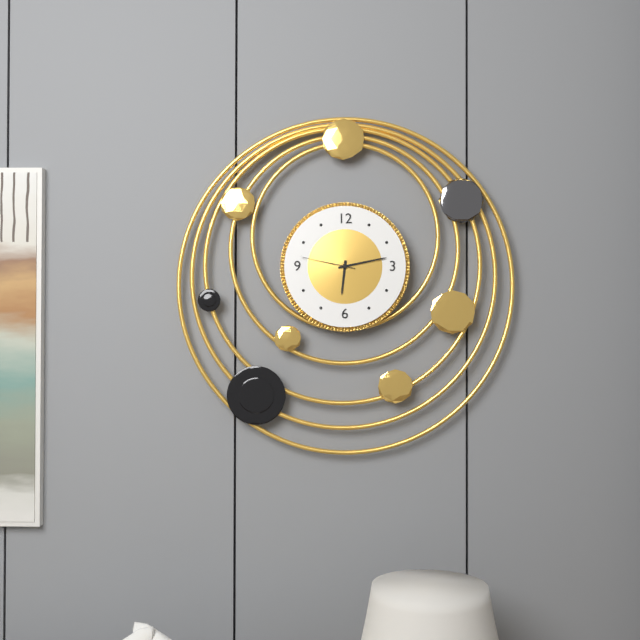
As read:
6,13,47
